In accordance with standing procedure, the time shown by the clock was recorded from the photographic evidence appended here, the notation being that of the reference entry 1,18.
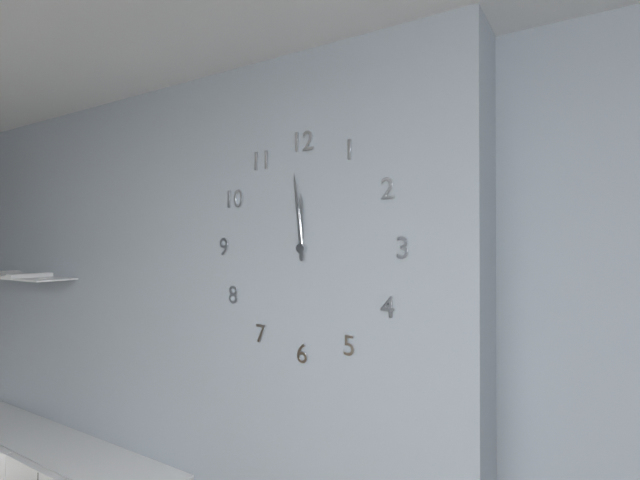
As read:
11,59
